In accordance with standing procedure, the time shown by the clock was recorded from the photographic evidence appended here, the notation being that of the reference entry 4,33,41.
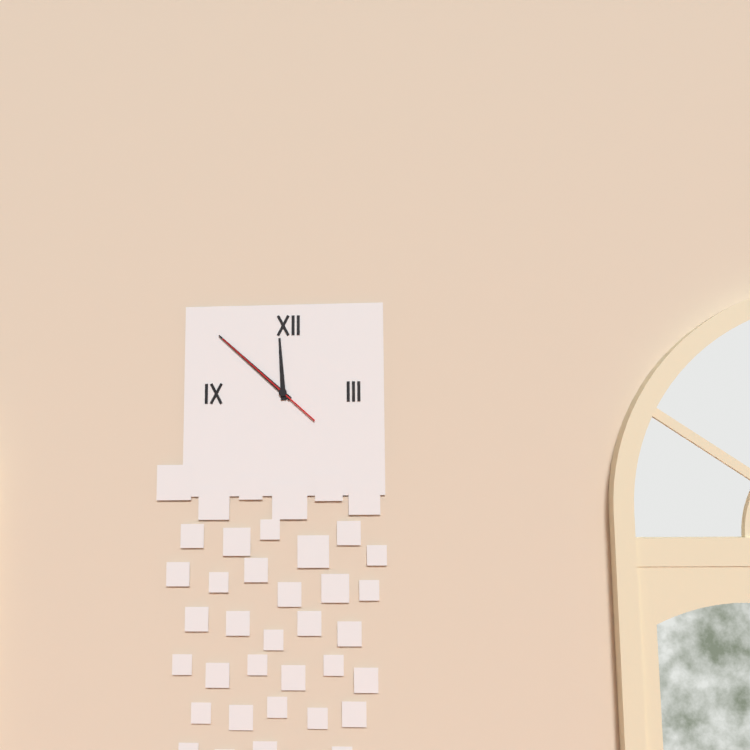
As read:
11,52,52
